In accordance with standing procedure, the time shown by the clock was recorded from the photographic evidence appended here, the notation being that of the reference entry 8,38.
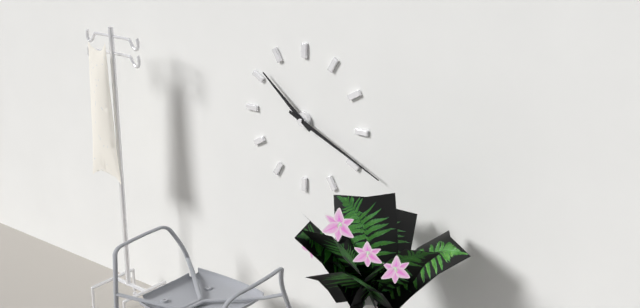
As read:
10,19
